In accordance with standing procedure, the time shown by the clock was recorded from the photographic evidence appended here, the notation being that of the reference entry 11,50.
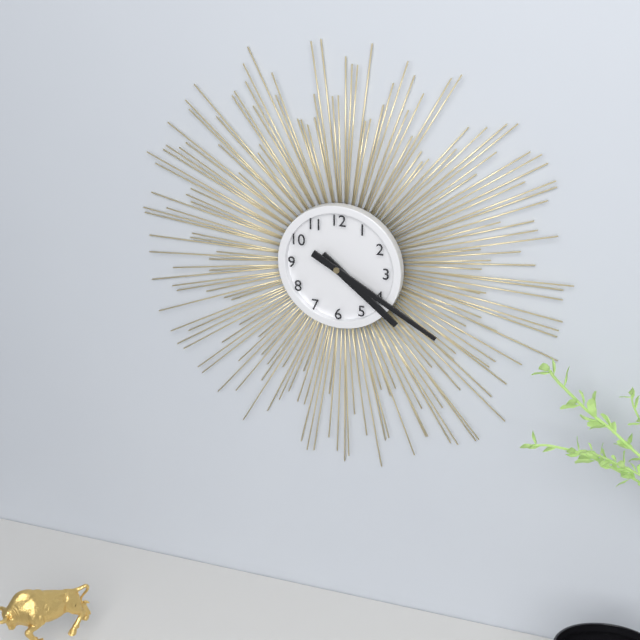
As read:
4,20
